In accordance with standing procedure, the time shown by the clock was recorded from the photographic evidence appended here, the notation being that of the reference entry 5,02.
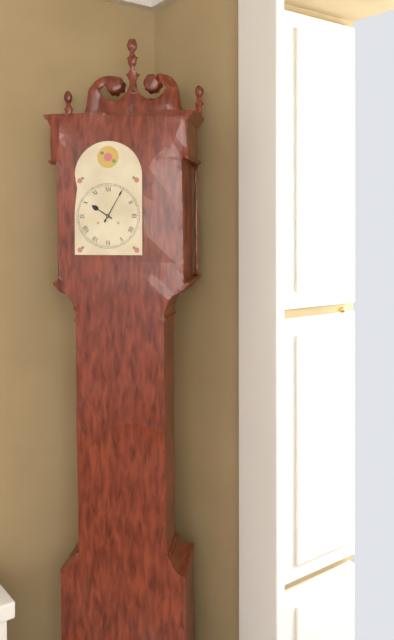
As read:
10,05
